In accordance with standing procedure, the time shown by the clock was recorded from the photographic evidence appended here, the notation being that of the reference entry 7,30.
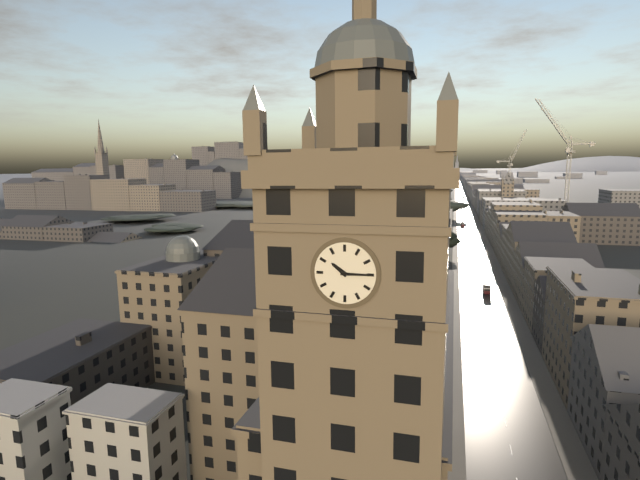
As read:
10,15
